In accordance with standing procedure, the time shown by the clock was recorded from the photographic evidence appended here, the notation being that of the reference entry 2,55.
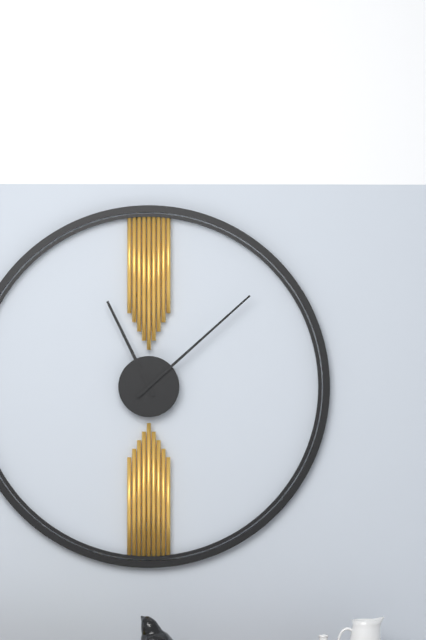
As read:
11,08
